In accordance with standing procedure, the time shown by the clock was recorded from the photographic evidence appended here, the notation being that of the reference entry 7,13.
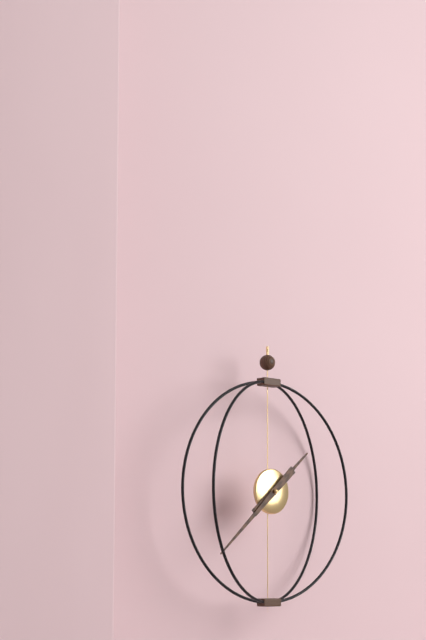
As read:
1,38
